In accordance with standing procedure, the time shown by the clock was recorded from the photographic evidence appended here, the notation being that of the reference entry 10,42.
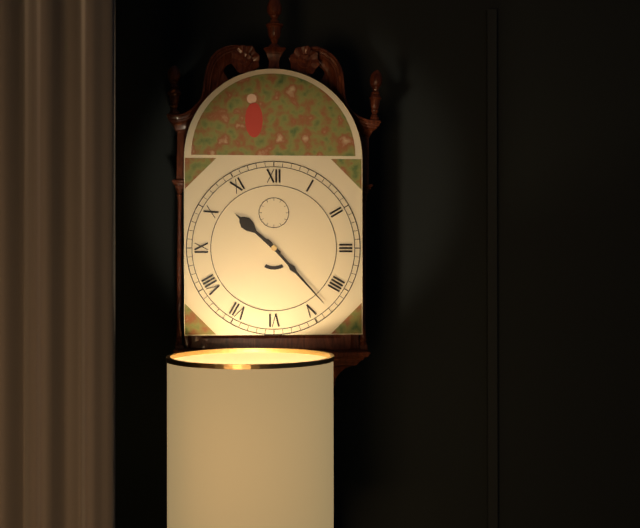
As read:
10,23
